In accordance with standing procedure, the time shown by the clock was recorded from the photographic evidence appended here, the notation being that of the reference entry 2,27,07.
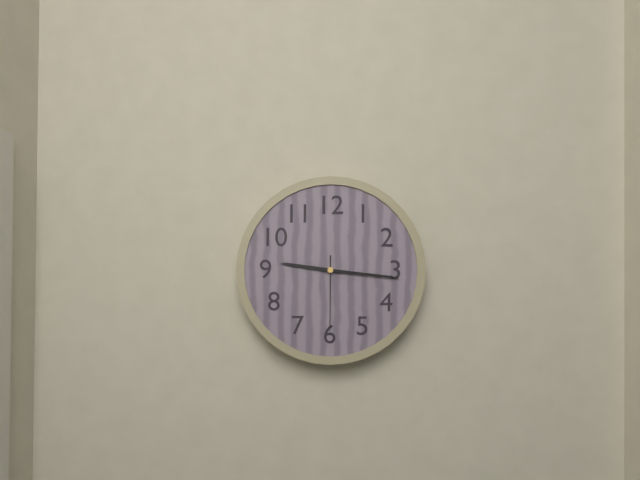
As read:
9,16,30
